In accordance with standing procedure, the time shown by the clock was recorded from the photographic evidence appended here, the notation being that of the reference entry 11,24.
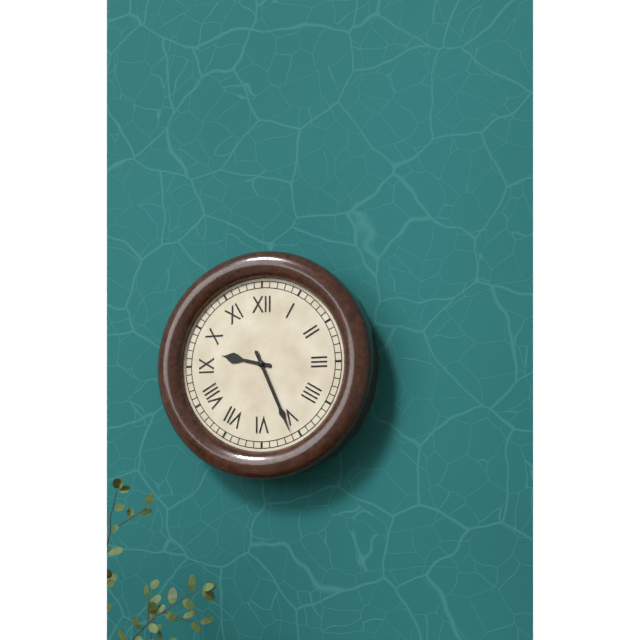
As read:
9,26
